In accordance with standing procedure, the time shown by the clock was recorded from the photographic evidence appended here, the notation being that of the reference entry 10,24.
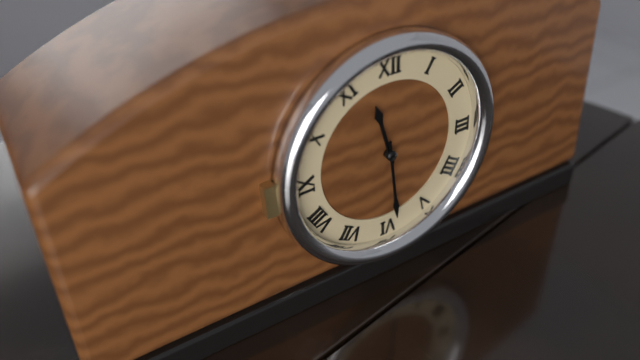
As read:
11,29
